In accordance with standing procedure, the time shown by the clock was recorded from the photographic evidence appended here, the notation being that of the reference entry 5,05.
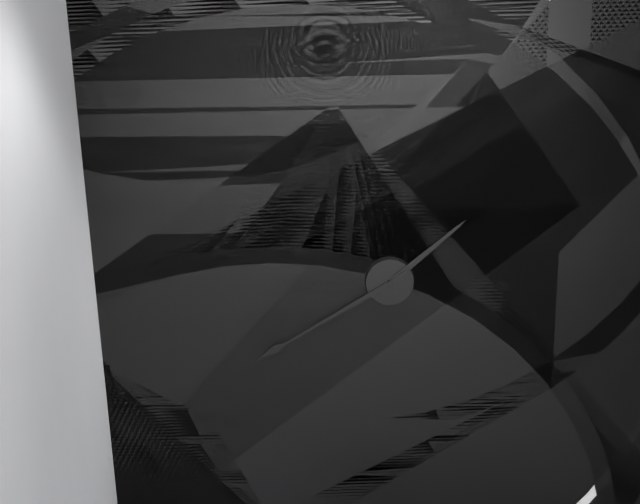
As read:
1,40
